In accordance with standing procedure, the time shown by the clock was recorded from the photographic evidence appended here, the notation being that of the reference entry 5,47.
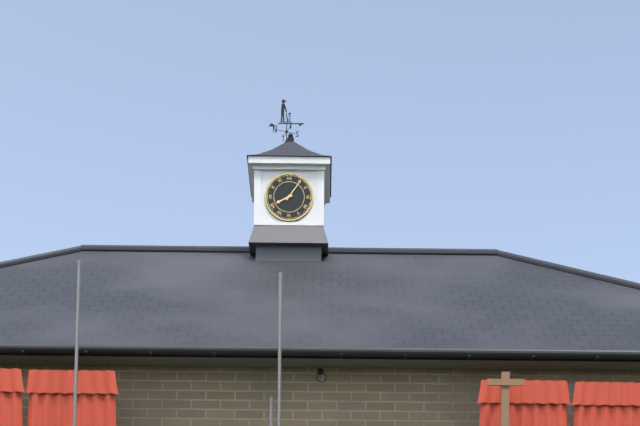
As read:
8,06
